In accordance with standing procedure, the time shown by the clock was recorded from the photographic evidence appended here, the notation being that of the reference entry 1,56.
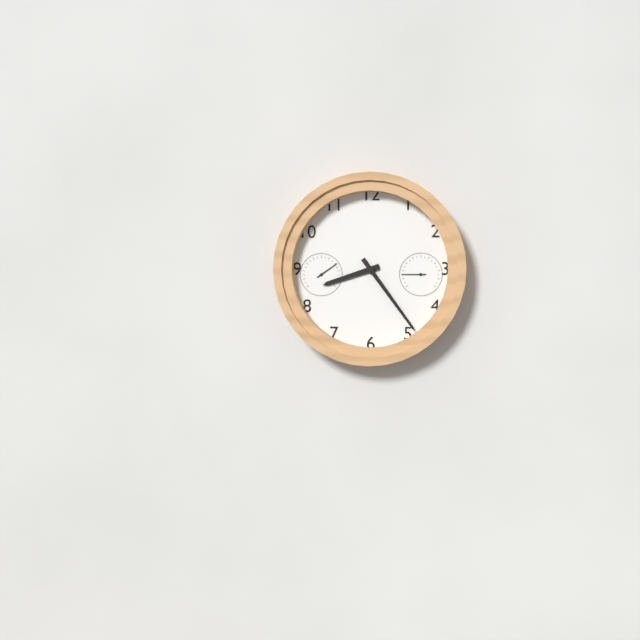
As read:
8,24
